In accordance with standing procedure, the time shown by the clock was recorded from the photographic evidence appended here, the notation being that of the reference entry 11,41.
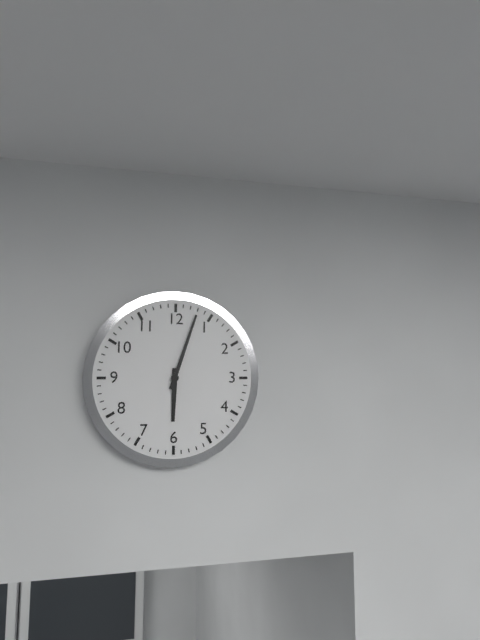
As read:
6,03
